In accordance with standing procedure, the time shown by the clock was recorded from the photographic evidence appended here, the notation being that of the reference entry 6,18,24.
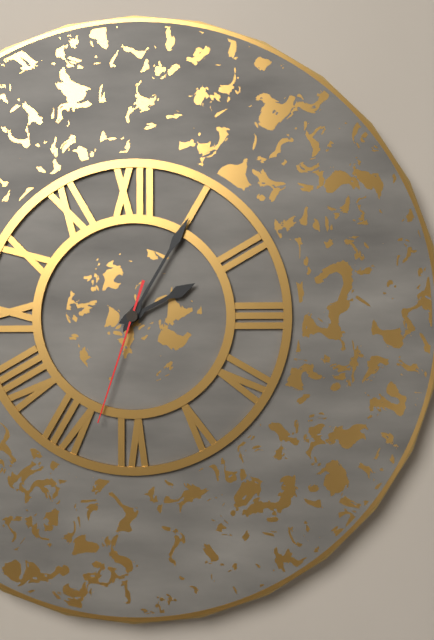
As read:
2,05,33
